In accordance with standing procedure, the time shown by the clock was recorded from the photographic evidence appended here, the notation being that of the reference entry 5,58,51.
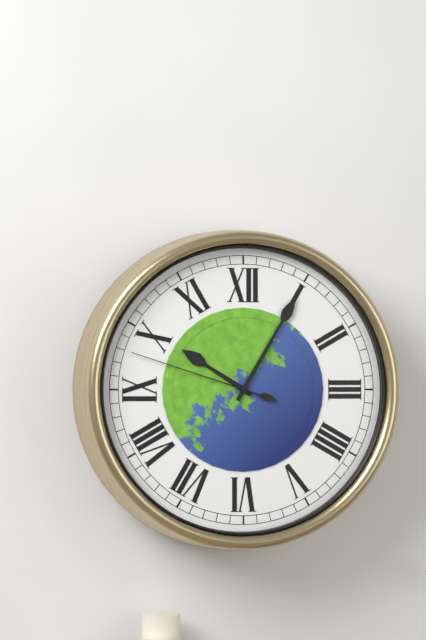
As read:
10,05,48
